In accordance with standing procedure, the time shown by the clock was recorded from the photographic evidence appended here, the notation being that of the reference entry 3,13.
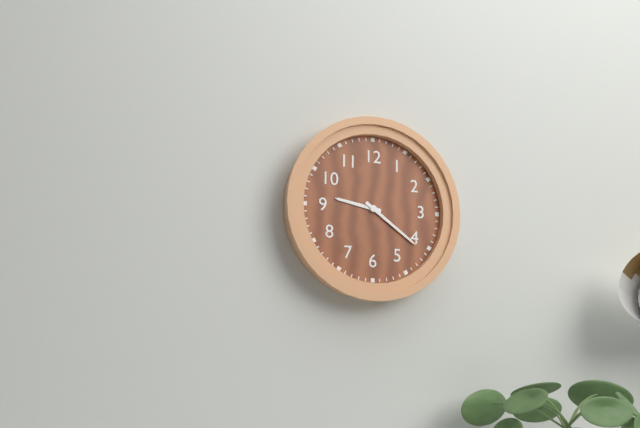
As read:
9,21
